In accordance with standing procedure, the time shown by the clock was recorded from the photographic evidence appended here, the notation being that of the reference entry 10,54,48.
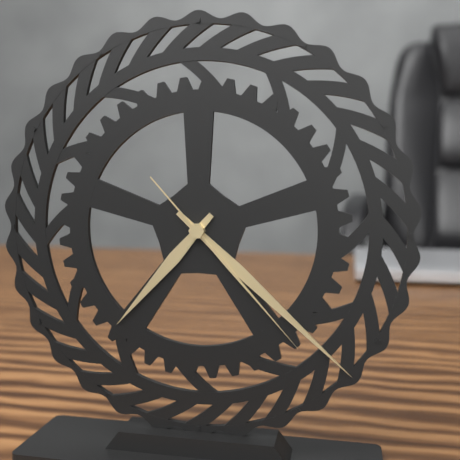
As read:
7,22,23
